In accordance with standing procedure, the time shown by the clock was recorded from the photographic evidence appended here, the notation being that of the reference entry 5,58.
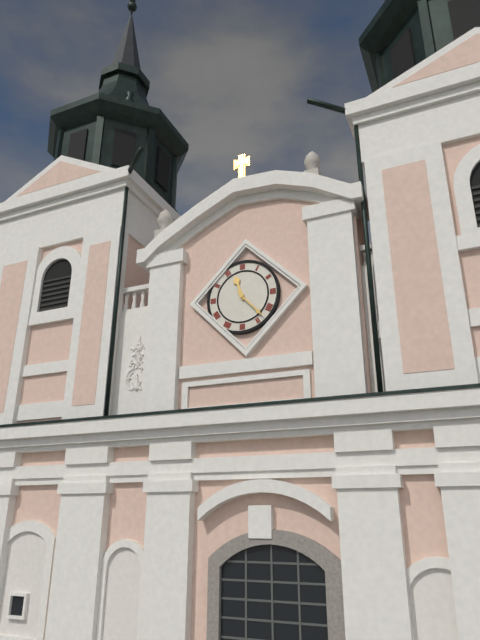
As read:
11,23
